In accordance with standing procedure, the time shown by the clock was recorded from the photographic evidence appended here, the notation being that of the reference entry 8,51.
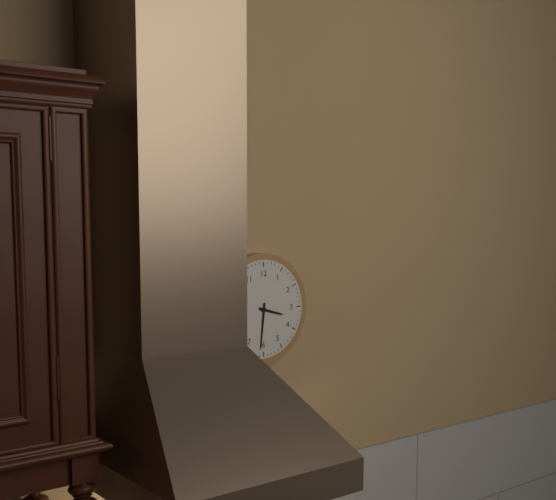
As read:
3,31
